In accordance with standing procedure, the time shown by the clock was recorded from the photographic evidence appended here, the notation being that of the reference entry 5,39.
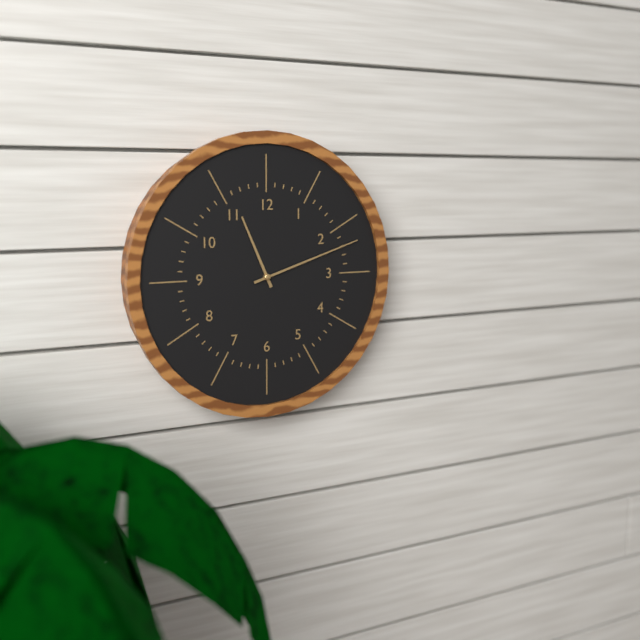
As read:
11,12
